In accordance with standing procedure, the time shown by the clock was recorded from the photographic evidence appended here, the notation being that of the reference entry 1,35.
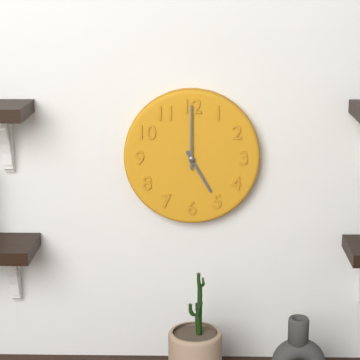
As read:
5,00
